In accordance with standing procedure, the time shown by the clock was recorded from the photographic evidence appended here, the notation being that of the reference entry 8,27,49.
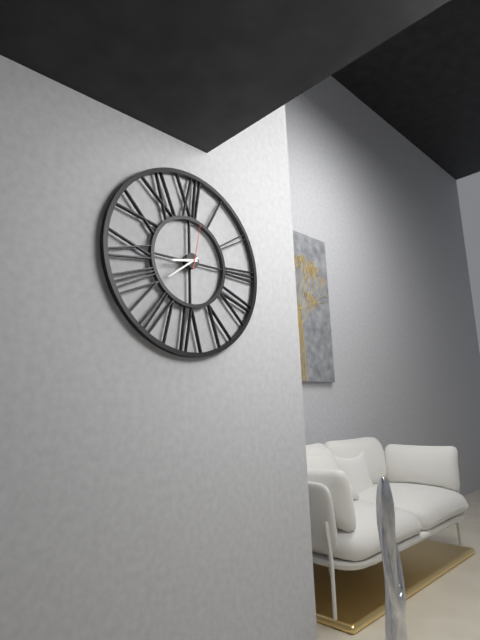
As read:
8,39,02
